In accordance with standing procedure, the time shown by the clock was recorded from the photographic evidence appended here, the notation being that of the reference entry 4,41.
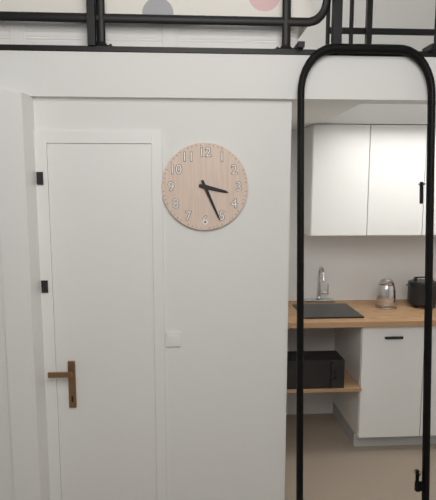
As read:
3,26
